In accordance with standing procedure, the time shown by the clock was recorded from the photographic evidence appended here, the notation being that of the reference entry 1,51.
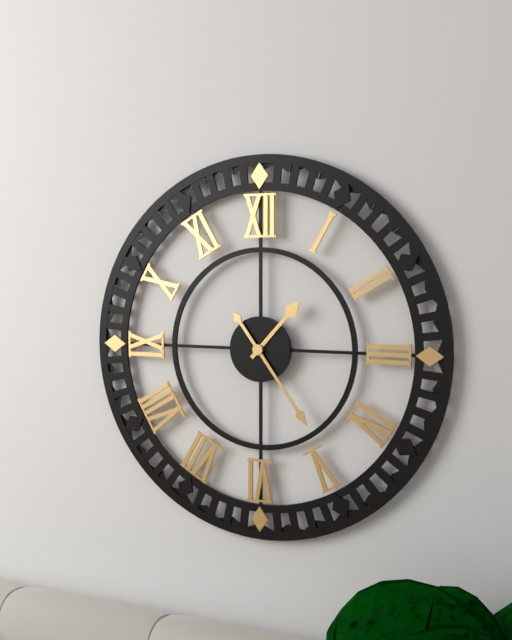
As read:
1,24
